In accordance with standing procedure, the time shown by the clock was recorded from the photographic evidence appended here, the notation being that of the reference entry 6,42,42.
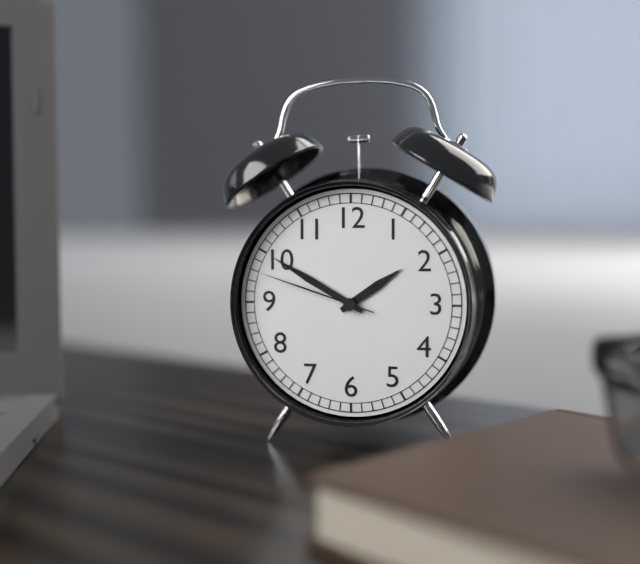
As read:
1,50,48
